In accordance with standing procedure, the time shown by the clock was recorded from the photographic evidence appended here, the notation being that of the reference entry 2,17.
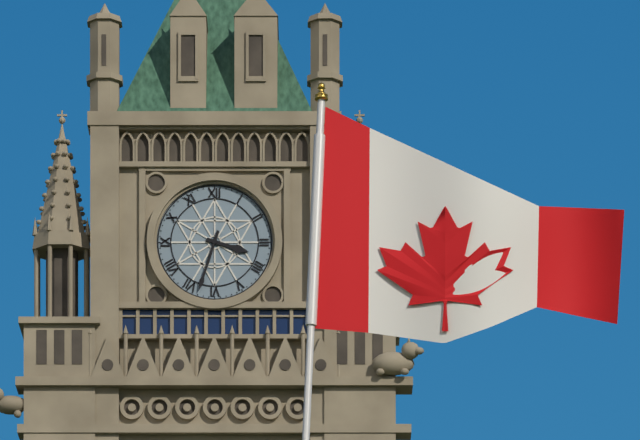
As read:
3,33
